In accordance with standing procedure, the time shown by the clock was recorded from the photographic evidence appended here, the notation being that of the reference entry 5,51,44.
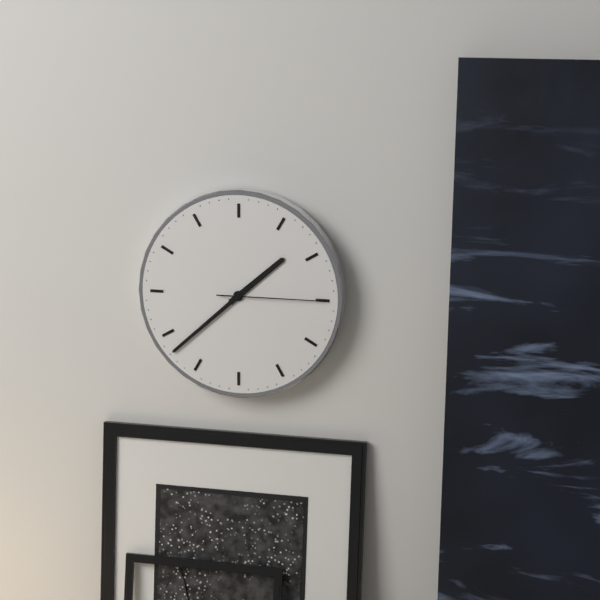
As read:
1,38,15
